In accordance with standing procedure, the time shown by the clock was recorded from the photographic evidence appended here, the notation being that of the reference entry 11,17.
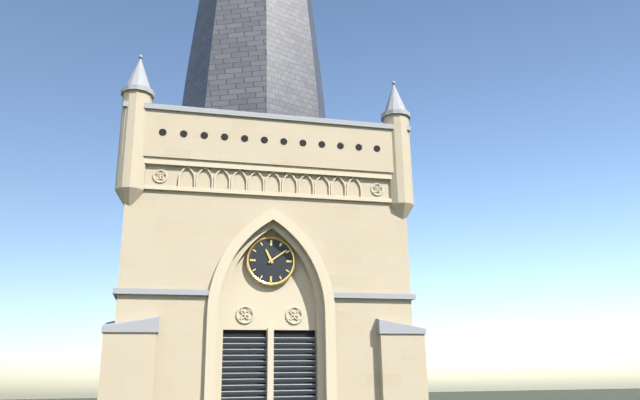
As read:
11,09
